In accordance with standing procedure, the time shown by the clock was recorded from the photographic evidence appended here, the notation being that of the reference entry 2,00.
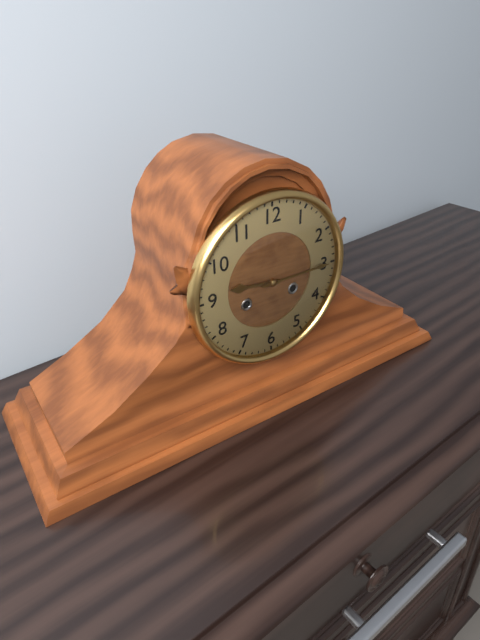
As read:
9,15
